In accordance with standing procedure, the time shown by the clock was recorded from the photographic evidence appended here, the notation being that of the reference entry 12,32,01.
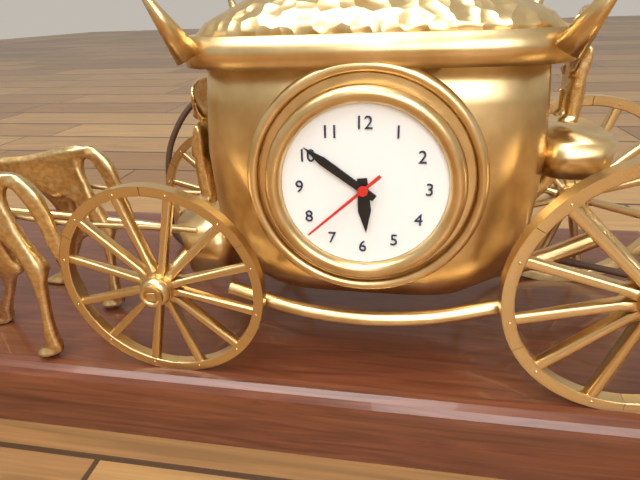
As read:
5,51,38
